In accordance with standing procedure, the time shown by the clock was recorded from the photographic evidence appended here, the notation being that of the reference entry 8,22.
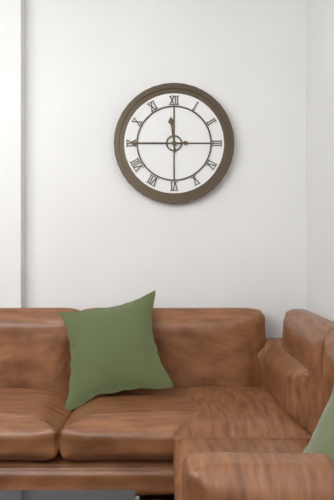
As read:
11,45
